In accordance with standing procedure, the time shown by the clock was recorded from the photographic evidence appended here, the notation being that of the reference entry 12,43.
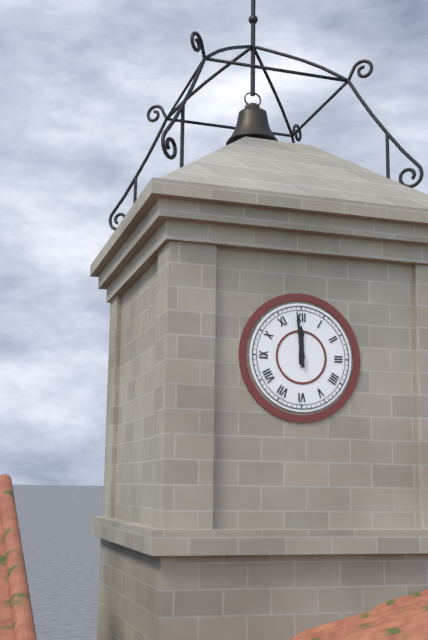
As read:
11,59
